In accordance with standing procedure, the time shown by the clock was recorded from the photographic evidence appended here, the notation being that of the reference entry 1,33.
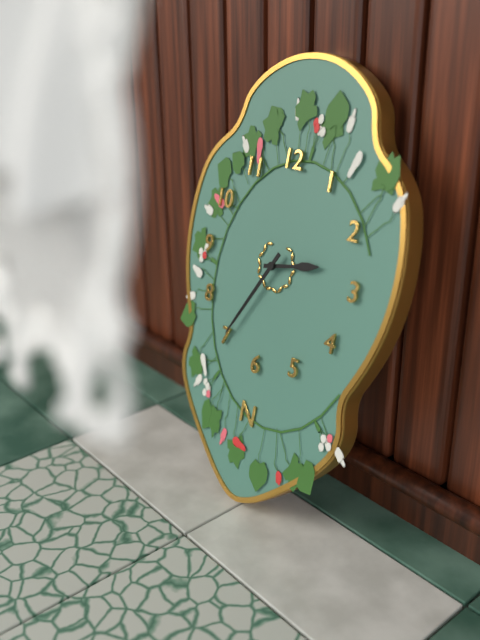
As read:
2,35
